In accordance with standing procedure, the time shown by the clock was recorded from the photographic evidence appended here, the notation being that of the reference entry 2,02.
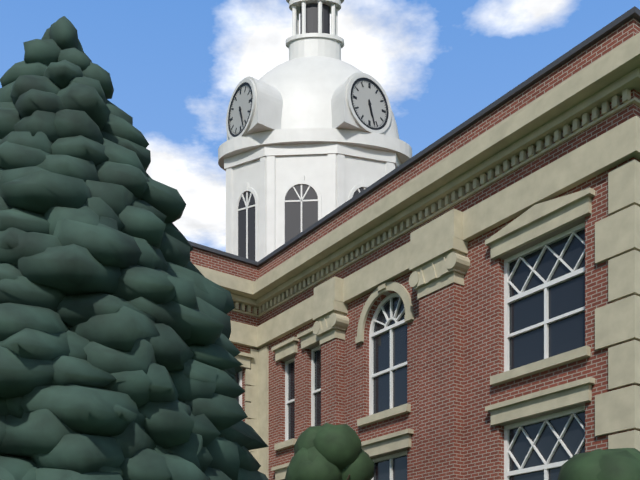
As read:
5,27
